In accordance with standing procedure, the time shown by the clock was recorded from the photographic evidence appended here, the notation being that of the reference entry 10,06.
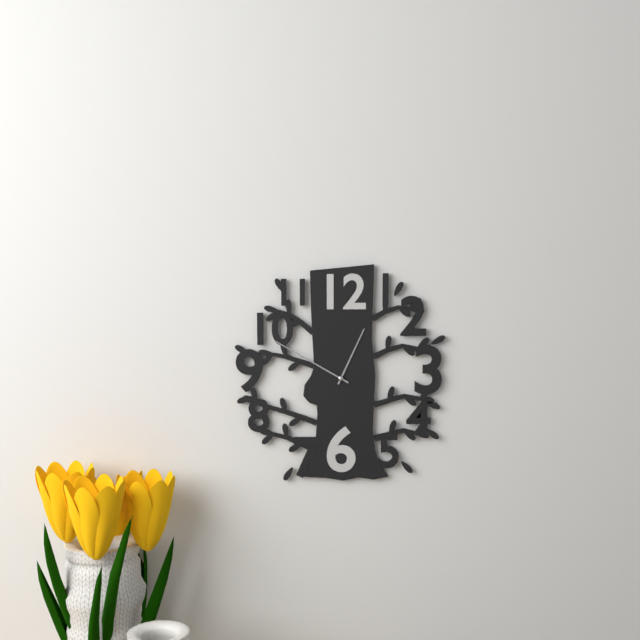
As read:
12,50
